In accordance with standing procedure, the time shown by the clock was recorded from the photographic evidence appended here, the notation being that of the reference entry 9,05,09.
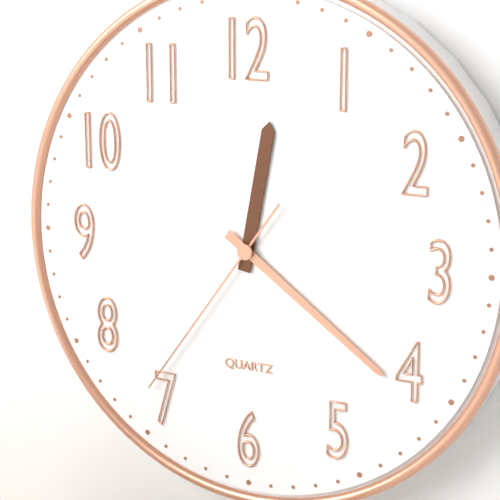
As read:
12,21,36
